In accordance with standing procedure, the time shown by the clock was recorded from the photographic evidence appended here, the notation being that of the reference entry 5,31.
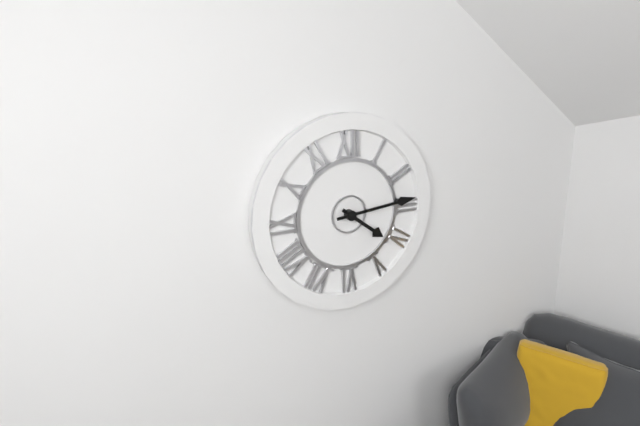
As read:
4,14
